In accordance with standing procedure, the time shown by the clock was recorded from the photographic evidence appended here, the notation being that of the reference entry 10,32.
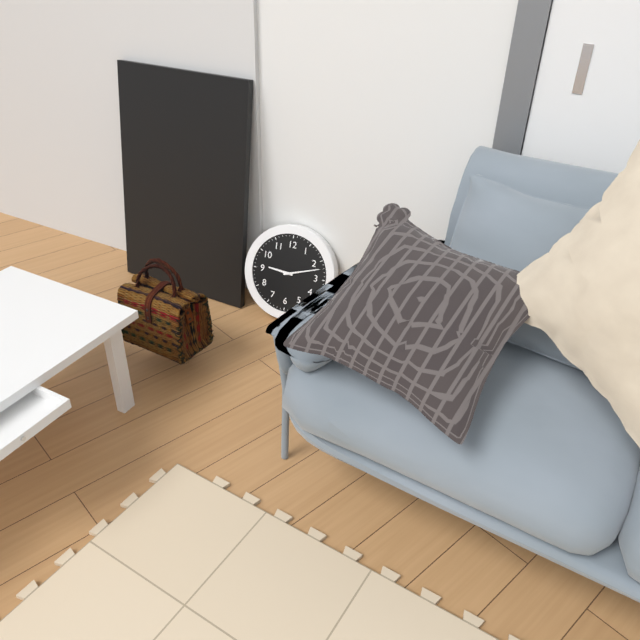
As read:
9,12
